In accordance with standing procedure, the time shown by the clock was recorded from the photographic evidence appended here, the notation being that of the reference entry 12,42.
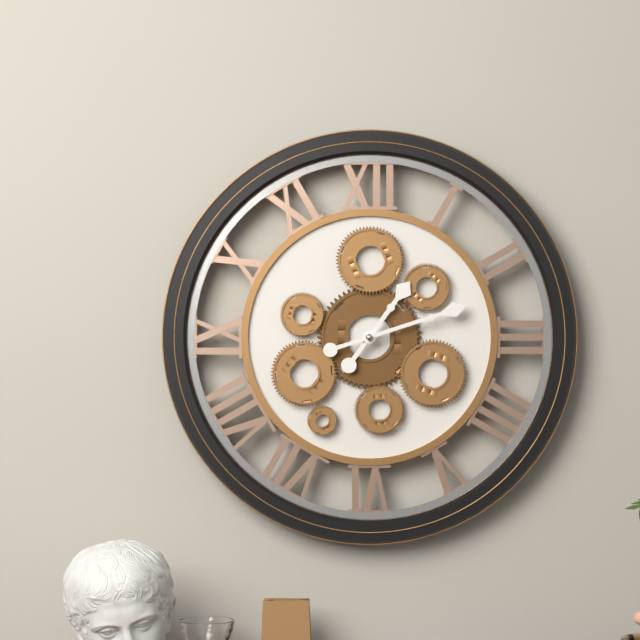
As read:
1,12
